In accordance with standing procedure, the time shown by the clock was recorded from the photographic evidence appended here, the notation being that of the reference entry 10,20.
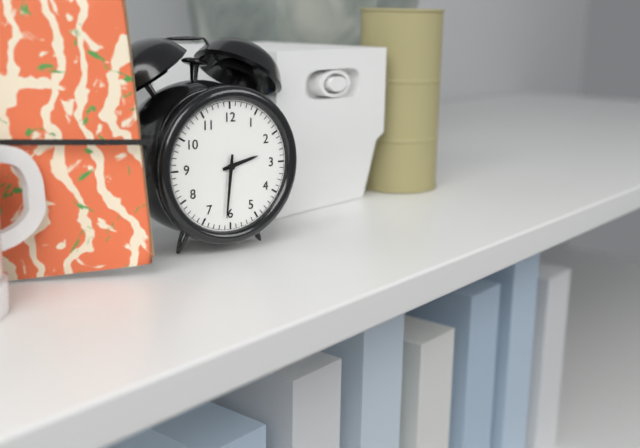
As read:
2,31
